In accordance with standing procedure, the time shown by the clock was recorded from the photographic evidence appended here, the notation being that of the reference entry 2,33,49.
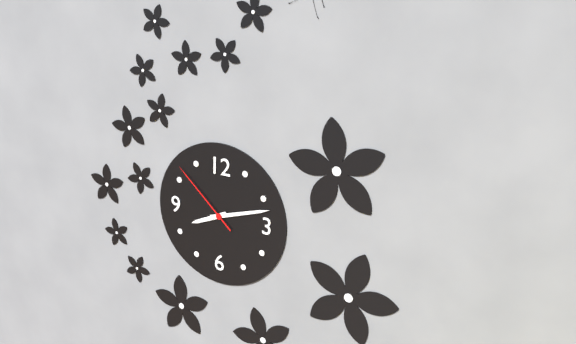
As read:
8,12,52
